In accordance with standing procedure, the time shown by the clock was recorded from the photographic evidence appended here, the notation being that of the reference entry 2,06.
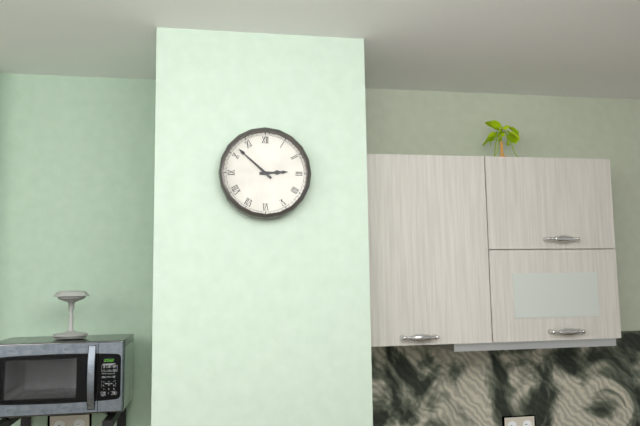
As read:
2,52
